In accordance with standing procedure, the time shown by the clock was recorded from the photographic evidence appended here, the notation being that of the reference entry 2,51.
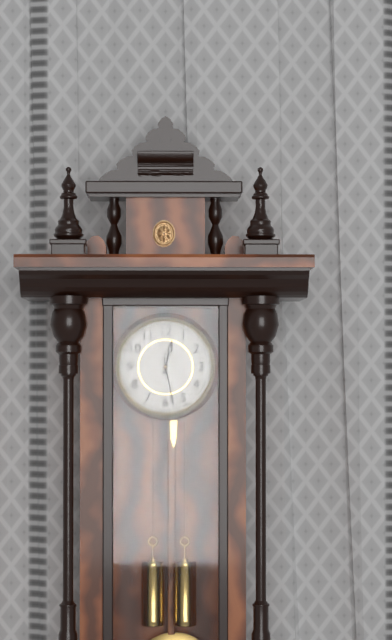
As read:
12,28
